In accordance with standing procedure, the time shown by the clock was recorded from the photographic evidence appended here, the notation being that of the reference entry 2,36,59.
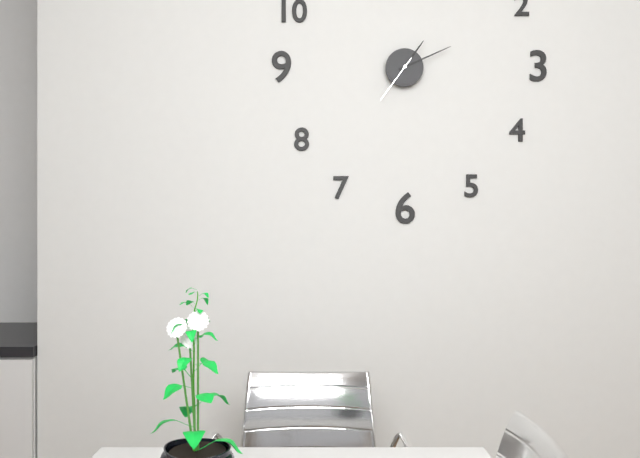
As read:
1,11,36
